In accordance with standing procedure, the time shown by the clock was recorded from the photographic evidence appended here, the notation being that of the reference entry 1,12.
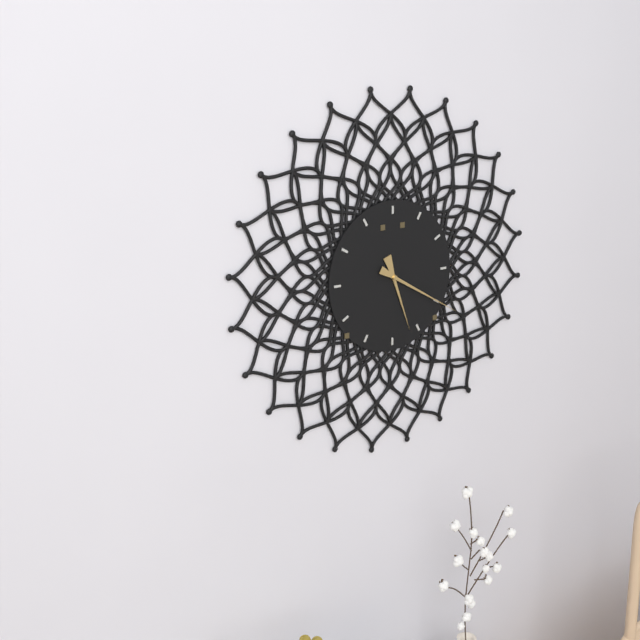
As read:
5,20
